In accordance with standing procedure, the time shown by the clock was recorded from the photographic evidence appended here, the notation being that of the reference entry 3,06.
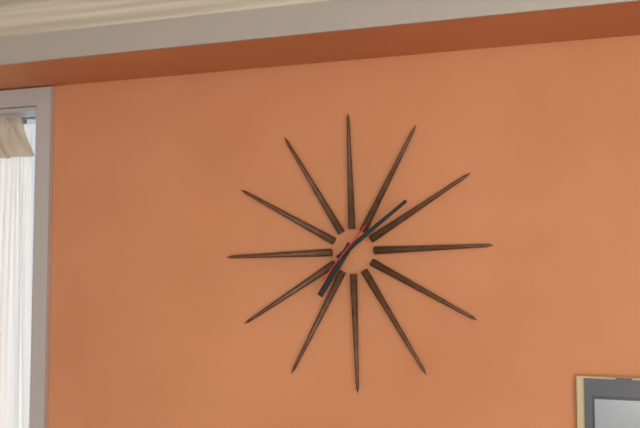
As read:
7,09
